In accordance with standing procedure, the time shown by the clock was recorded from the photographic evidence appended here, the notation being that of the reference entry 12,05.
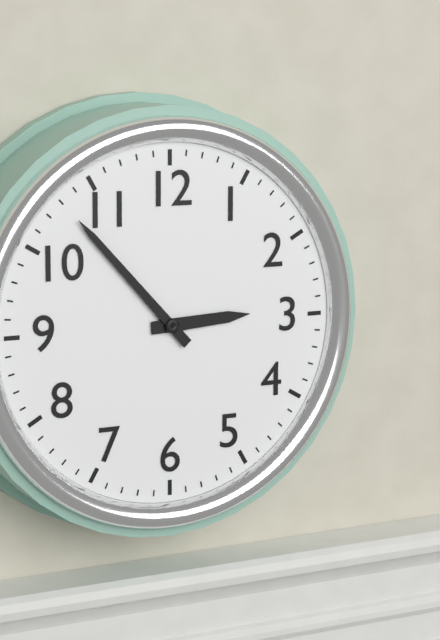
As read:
2,53
